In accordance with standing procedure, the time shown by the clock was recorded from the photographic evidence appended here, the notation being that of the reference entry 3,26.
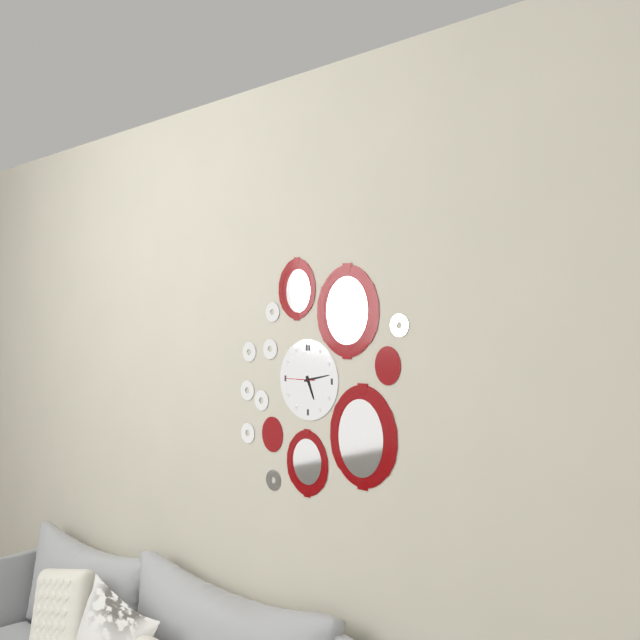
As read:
5,13
